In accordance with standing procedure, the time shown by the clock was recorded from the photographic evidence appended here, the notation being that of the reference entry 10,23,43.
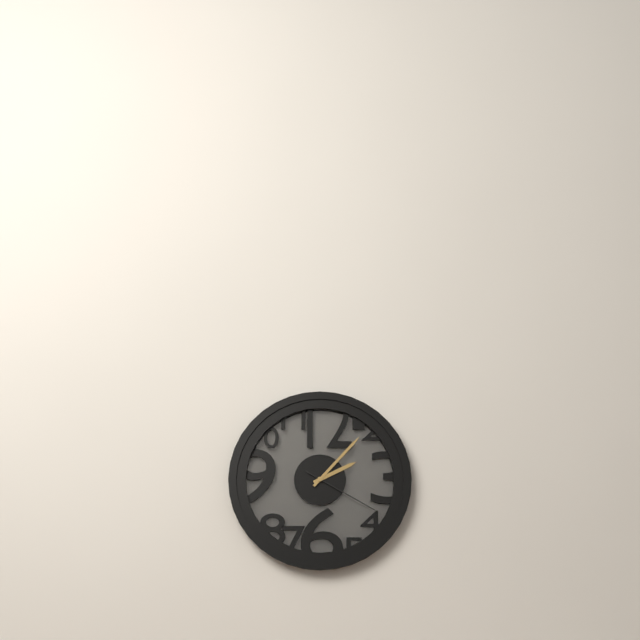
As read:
2,07,20
